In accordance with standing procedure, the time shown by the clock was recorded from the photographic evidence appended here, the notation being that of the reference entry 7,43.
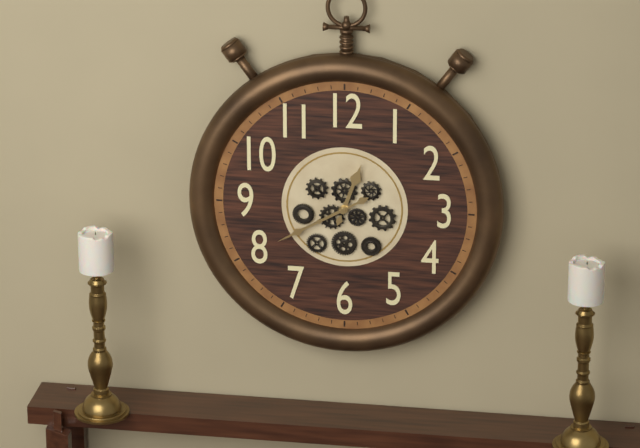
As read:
12,40
